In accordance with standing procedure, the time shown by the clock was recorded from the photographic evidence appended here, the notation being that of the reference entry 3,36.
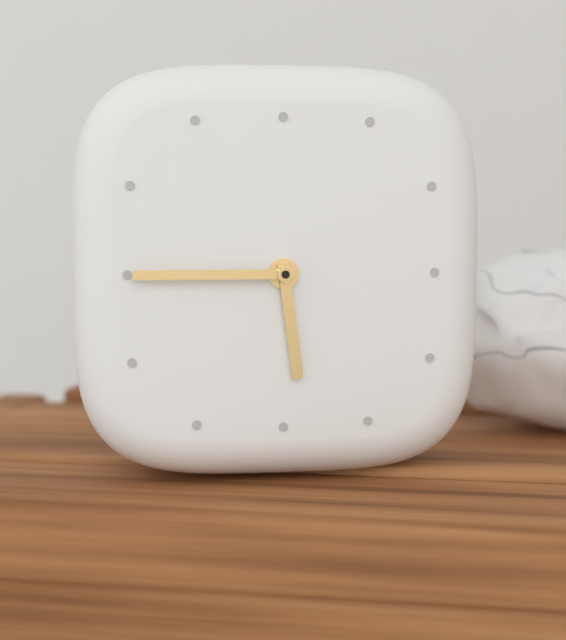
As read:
5,45
